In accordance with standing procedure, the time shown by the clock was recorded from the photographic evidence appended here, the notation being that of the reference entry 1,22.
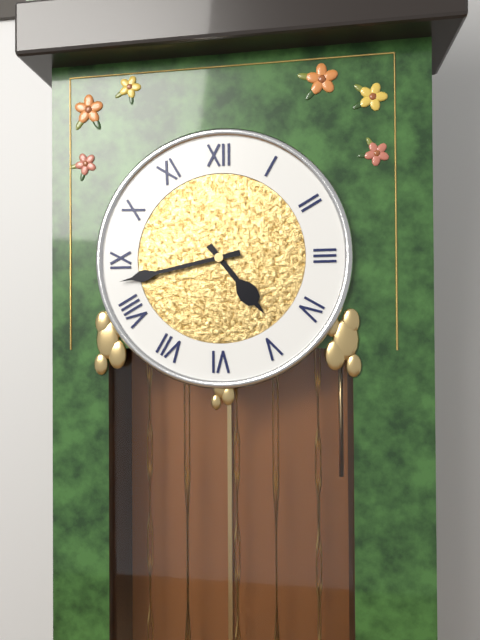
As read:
4,43
